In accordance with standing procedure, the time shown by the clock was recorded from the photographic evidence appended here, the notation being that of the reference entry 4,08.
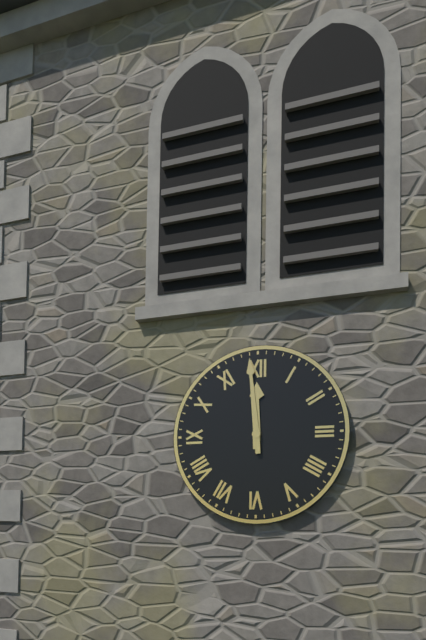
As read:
11,59
